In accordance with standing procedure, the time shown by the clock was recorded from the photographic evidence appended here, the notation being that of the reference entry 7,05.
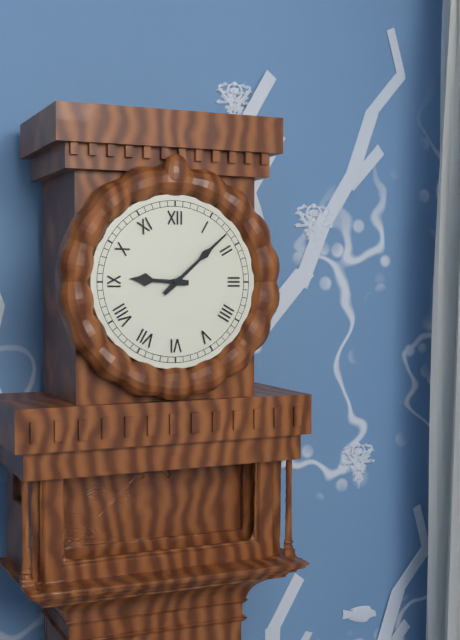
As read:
9,08
